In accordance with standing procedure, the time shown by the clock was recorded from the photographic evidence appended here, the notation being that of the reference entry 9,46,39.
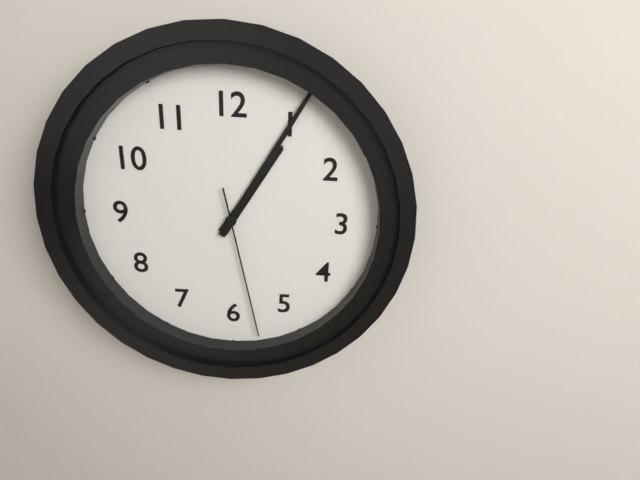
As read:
1,05,28
